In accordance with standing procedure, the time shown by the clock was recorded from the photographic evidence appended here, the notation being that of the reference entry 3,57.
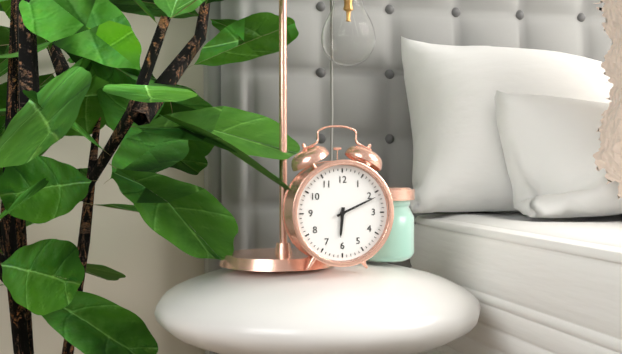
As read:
6,11
